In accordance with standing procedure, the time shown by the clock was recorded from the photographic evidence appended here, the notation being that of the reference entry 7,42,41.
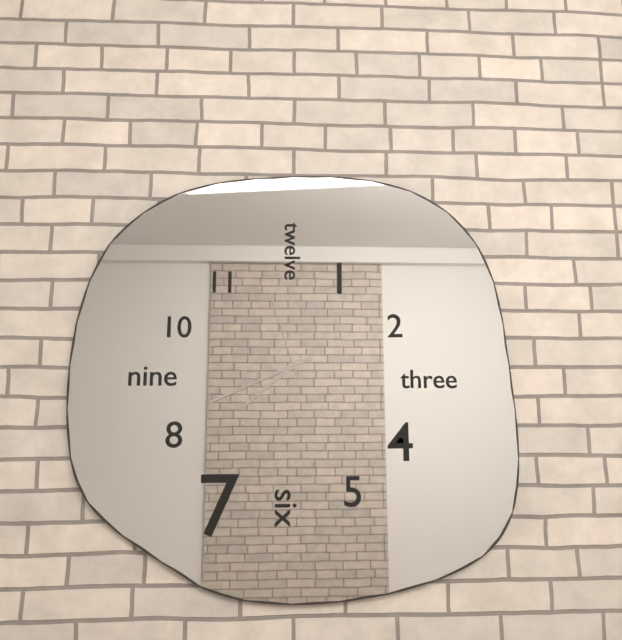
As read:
7,41,57
